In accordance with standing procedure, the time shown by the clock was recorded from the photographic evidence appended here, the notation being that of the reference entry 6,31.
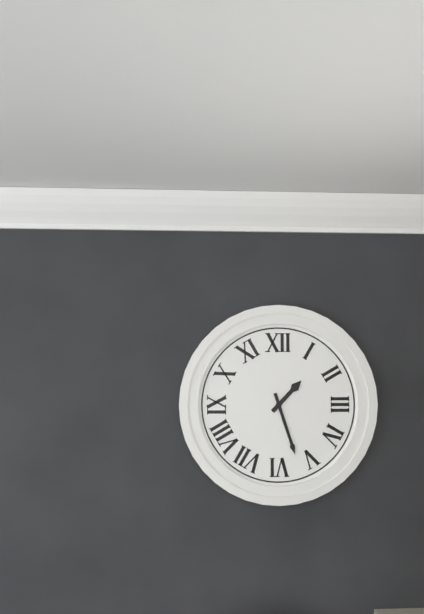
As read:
1,27
